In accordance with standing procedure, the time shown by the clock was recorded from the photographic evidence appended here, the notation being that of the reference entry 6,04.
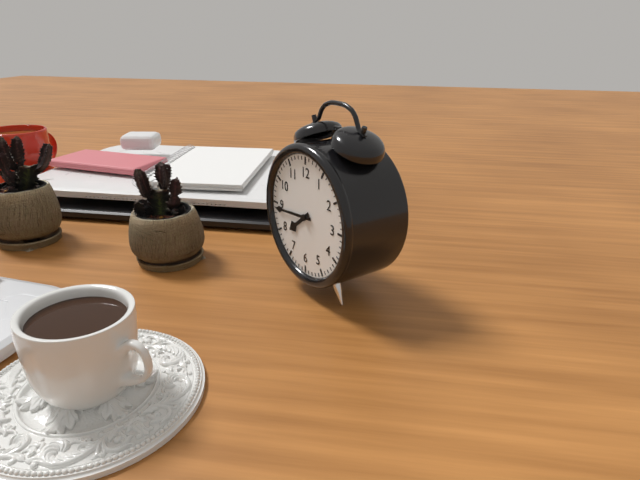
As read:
7,44
